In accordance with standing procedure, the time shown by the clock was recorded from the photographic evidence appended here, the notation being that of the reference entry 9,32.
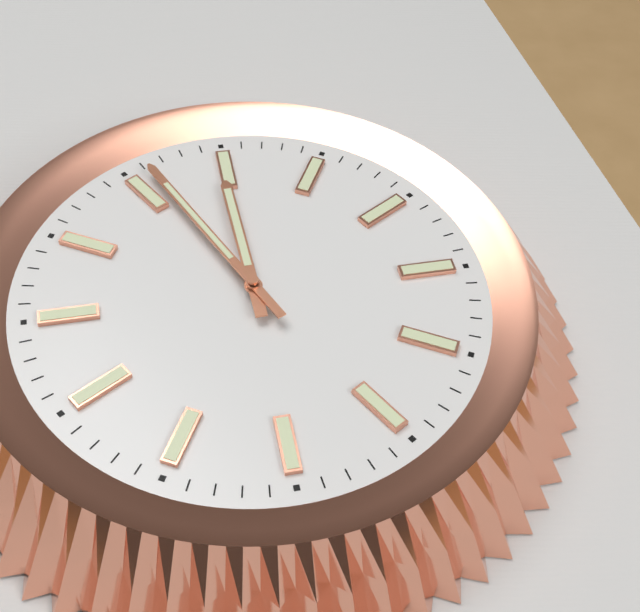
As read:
11,56
